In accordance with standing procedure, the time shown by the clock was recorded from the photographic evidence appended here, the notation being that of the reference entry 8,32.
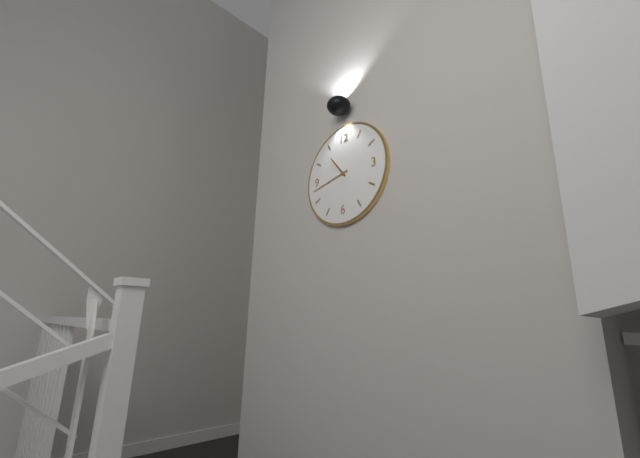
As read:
10,43
